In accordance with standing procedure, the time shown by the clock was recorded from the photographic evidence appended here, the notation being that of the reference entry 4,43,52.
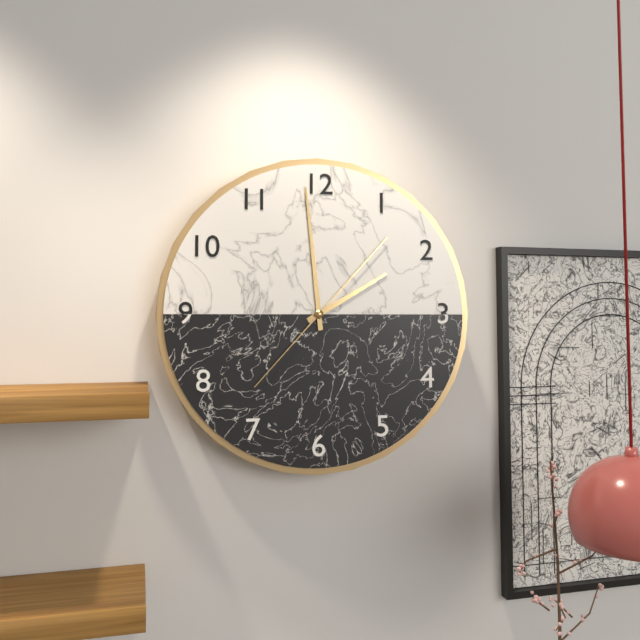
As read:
1,59,07
